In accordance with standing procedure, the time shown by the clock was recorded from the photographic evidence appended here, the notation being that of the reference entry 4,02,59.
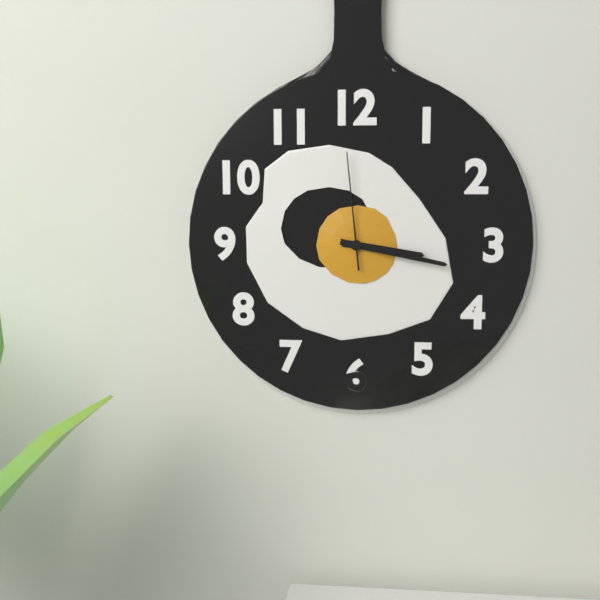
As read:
3,17,59
